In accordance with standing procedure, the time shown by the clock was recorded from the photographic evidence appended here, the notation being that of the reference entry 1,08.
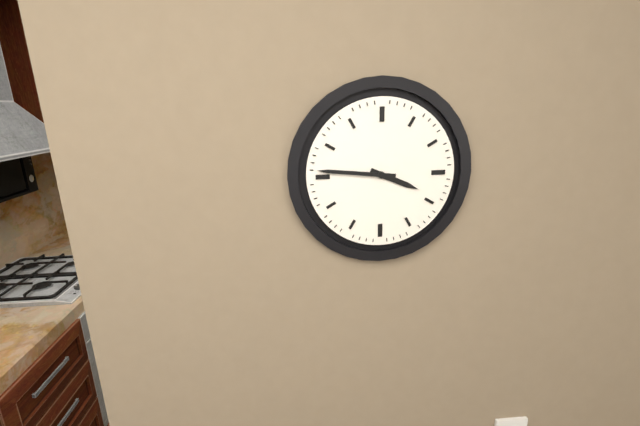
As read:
3,46
